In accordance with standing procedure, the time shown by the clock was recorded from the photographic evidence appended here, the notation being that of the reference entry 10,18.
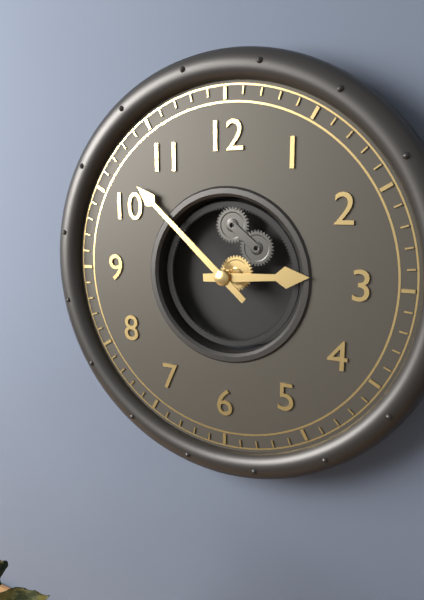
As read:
2,52
